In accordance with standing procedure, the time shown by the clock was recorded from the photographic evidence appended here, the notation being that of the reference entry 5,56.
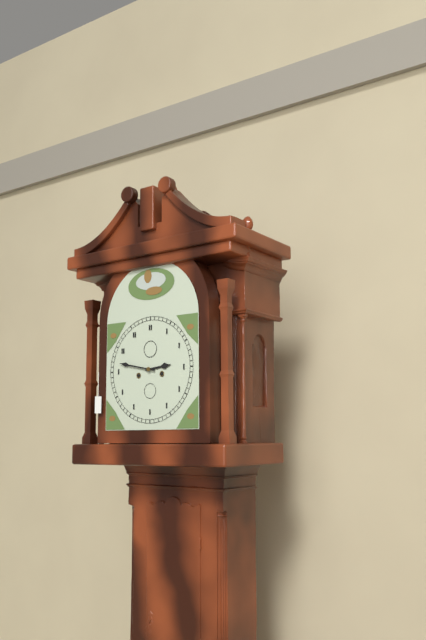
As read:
2,47
